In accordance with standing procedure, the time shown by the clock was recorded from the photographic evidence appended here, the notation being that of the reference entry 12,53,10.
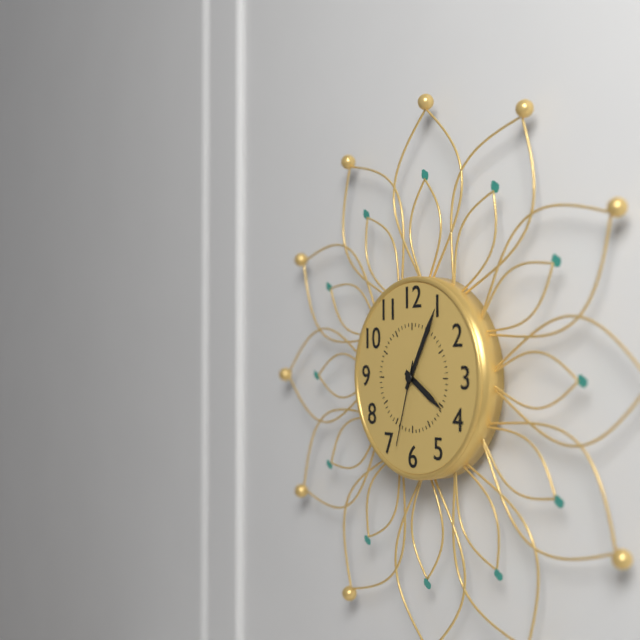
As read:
4,05,33
